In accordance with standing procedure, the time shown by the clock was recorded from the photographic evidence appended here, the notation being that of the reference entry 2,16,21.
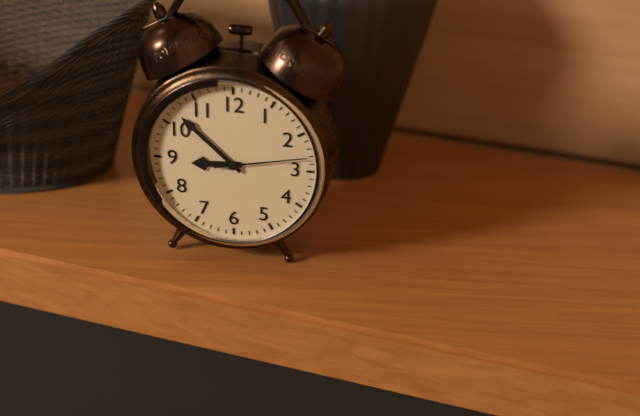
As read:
8,52,13
